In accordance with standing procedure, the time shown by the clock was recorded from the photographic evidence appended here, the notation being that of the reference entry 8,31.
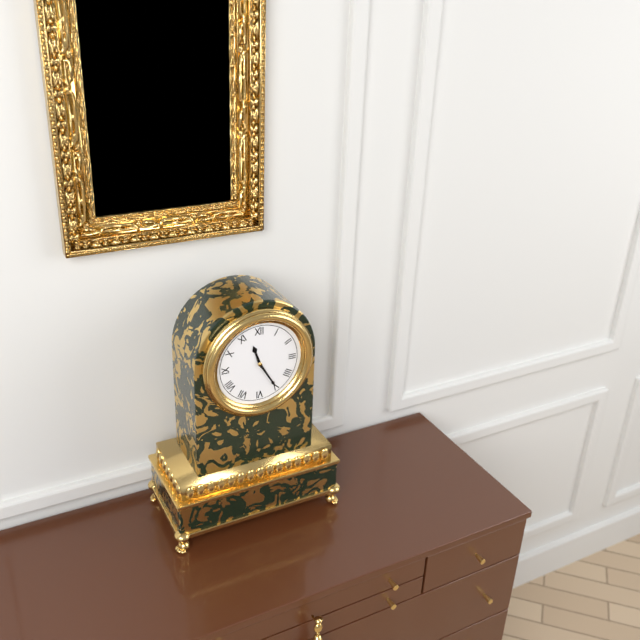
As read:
11,25
